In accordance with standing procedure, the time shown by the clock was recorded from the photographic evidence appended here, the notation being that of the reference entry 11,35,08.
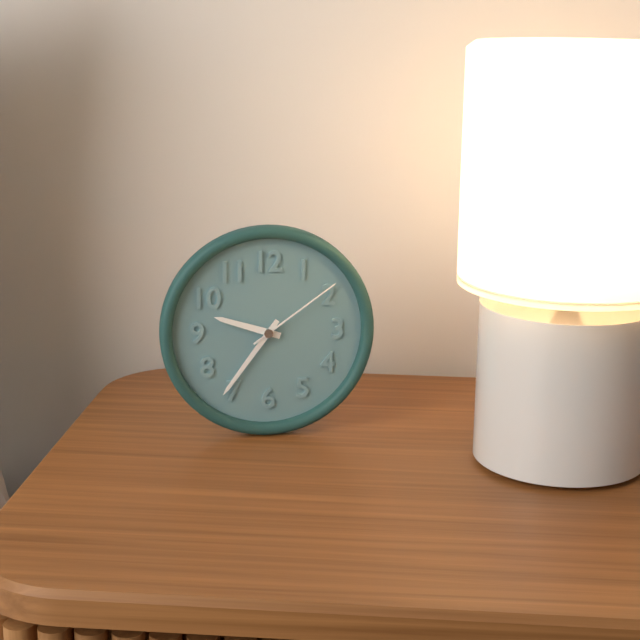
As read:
9,36,09
